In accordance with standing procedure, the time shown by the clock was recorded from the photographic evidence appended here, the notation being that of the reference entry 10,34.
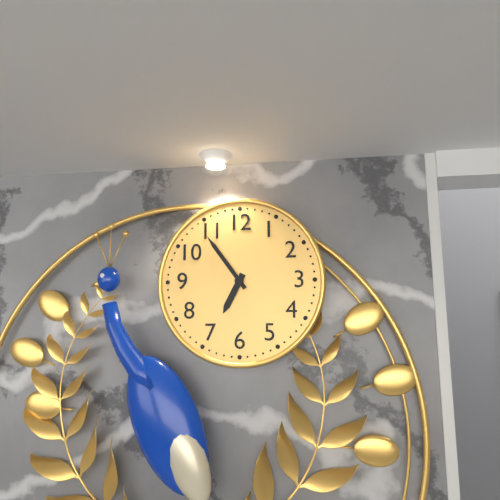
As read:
6,54
